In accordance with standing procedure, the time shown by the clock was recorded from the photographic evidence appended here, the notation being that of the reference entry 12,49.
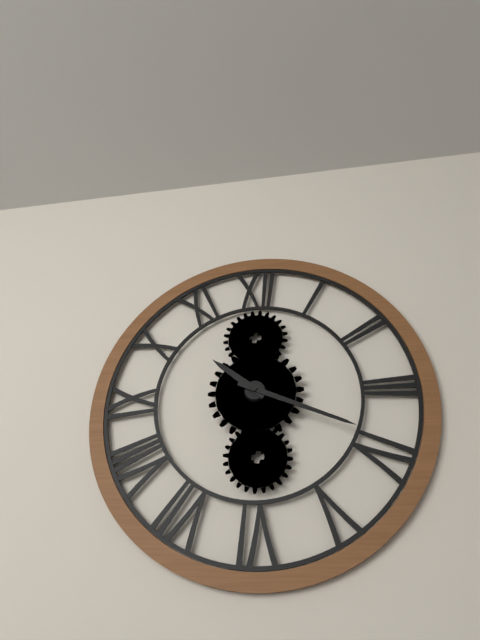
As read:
10,19
